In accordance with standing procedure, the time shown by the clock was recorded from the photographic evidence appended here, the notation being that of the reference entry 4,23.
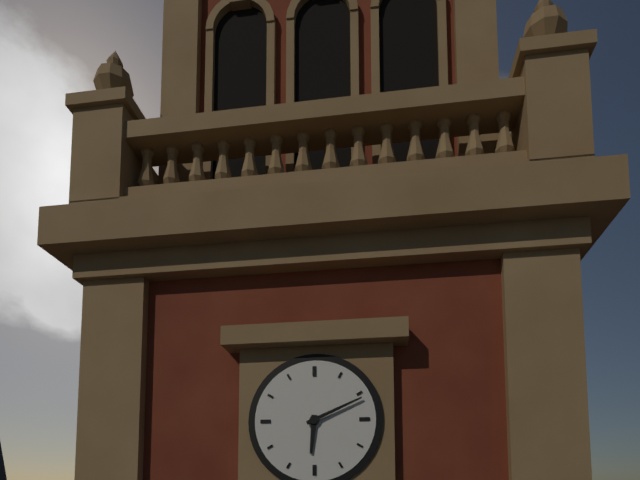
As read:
6,11
